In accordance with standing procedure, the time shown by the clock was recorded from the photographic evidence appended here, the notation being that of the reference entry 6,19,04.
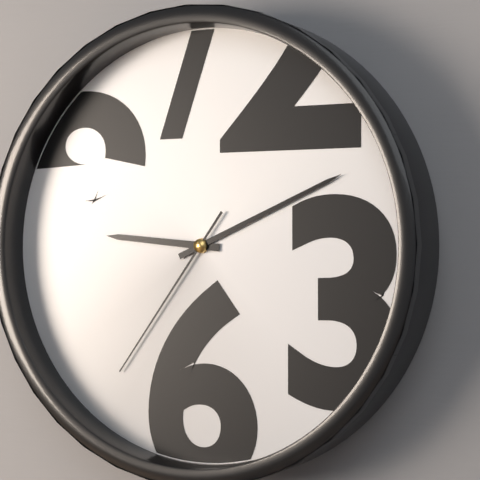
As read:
9,11,36
